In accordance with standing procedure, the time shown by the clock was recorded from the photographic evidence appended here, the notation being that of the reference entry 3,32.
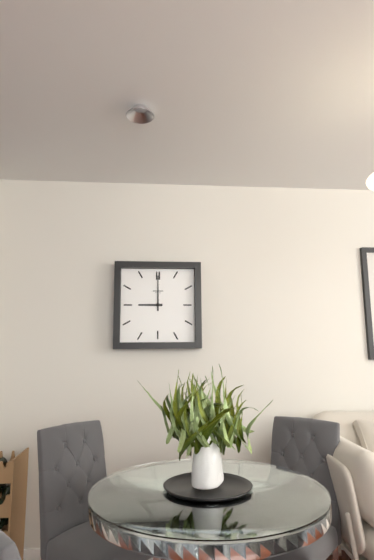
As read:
9,00
